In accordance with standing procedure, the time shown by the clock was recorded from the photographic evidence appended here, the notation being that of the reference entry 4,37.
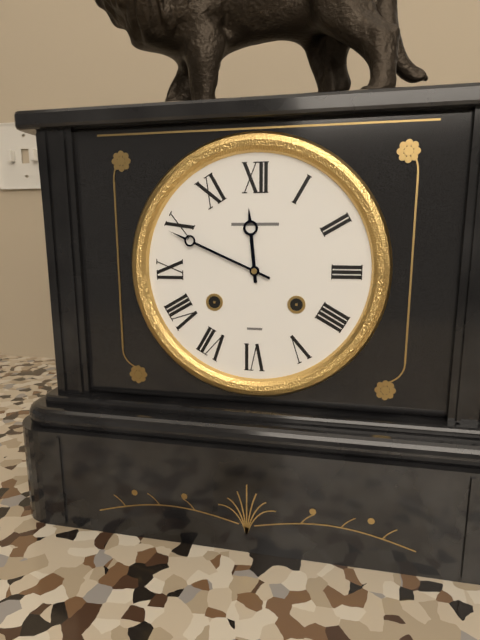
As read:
11,49
